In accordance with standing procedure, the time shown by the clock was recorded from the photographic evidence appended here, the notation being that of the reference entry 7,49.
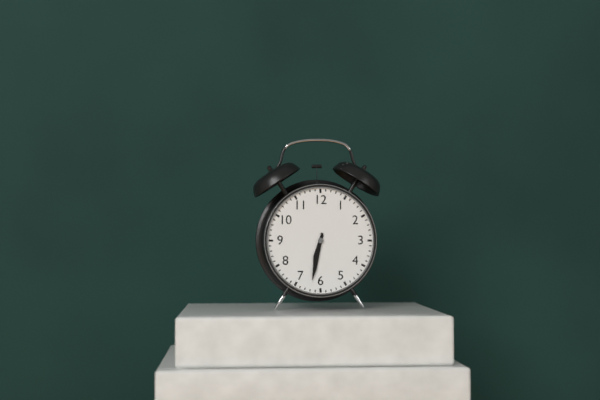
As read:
6,32
